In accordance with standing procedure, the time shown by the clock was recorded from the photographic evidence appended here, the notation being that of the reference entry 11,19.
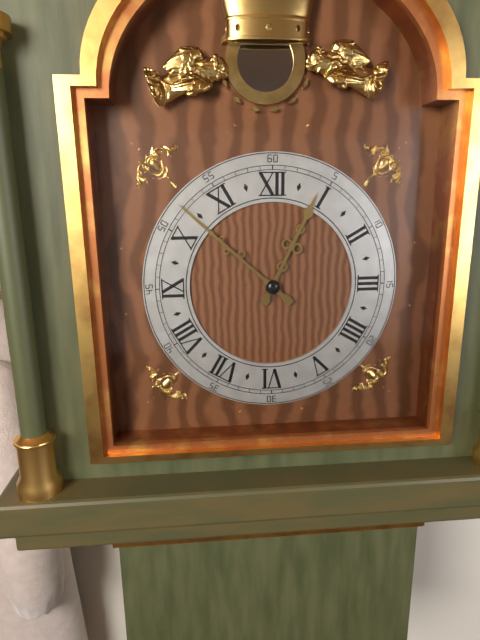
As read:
12,52
